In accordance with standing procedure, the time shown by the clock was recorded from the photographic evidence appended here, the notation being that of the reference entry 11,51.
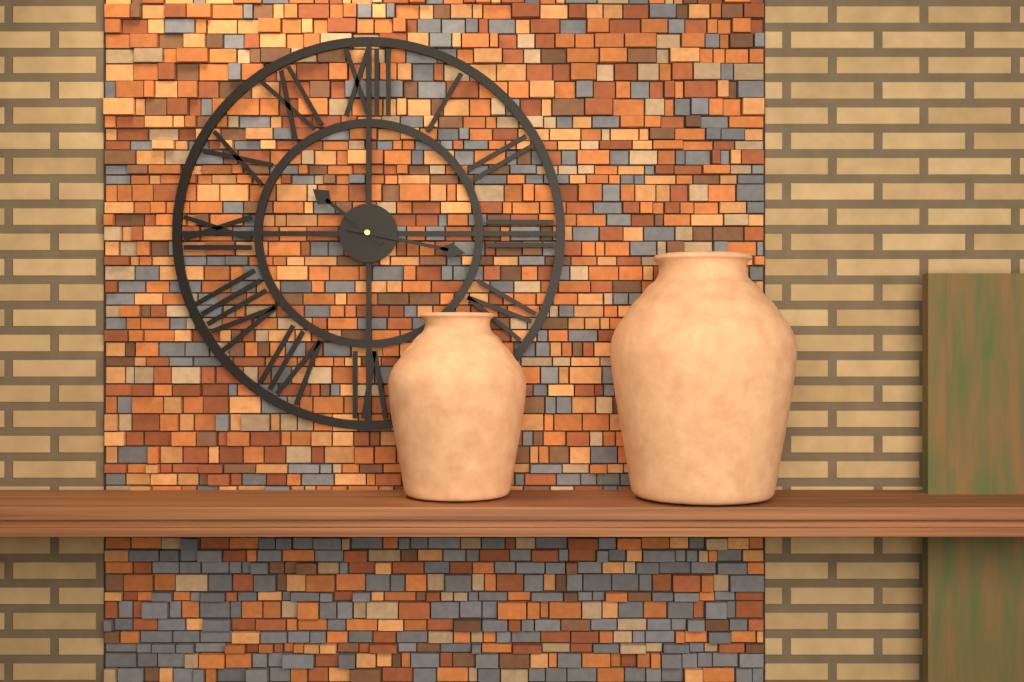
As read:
10,17
